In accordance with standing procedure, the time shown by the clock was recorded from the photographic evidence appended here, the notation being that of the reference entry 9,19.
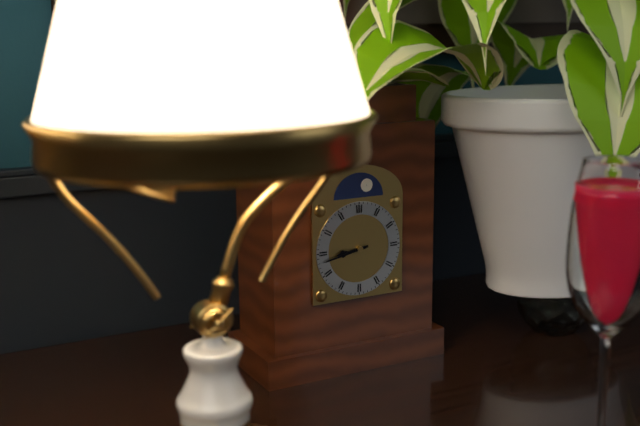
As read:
8,43
